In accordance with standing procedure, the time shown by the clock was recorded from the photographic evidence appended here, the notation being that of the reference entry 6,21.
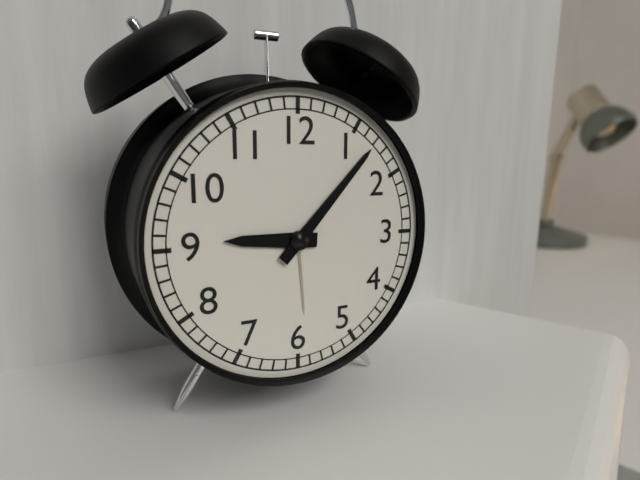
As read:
9,07
